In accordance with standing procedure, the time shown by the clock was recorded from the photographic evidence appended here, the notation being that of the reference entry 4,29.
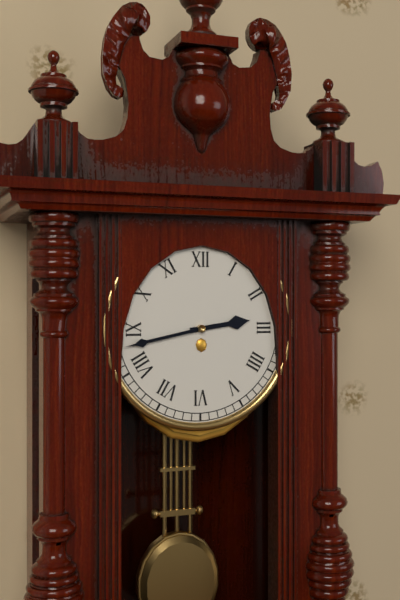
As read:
2,43
